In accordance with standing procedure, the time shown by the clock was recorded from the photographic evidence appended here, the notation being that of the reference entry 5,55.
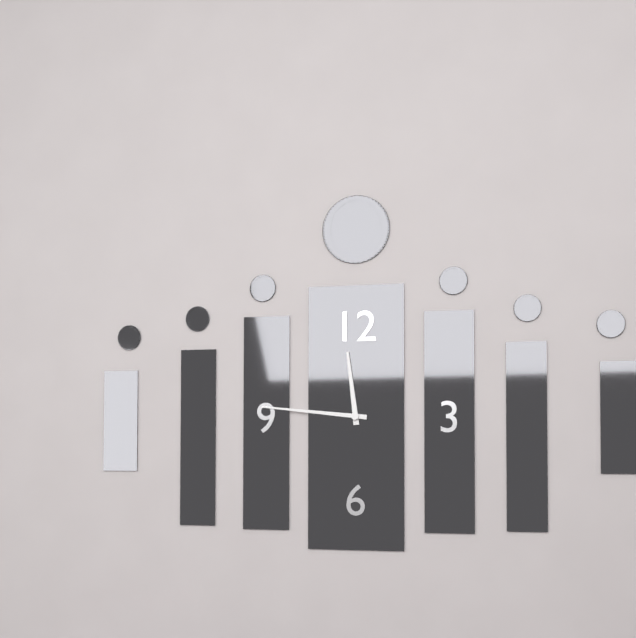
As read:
11,46
